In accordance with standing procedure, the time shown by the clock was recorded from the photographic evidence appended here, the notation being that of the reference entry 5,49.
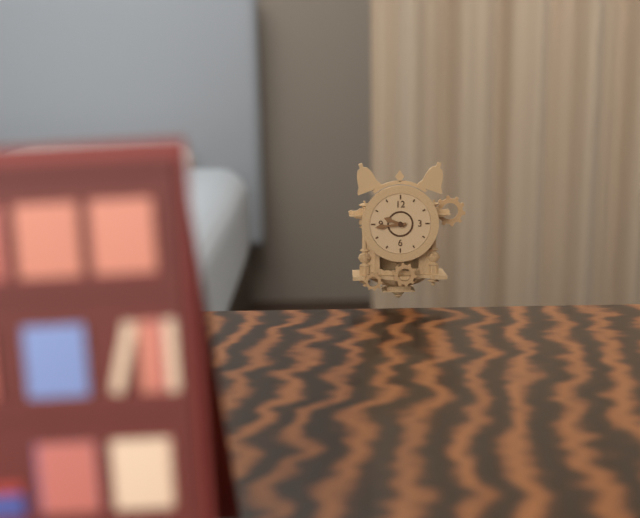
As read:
9,44
